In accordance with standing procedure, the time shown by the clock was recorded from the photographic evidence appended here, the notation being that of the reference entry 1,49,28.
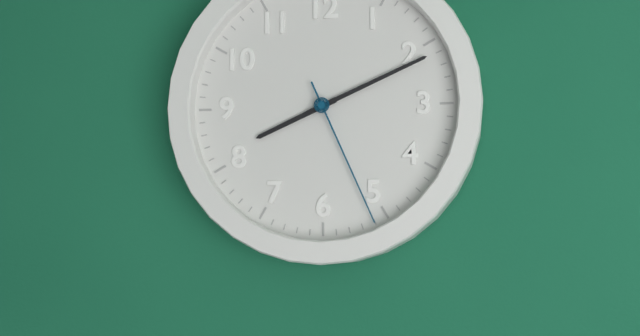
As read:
8,11,26
